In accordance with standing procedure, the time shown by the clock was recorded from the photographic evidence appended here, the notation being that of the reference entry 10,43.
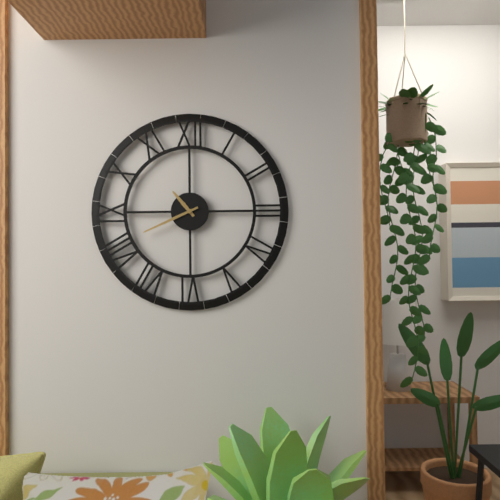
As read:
10,41
